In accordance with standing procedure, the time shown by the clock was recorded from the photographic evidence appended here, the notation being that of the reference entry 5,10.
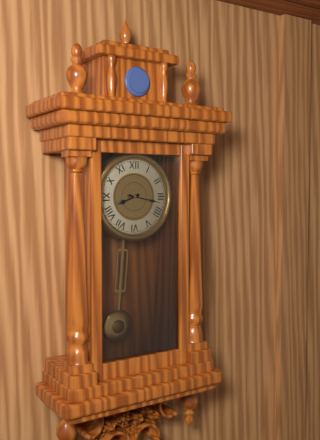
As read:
8,17
